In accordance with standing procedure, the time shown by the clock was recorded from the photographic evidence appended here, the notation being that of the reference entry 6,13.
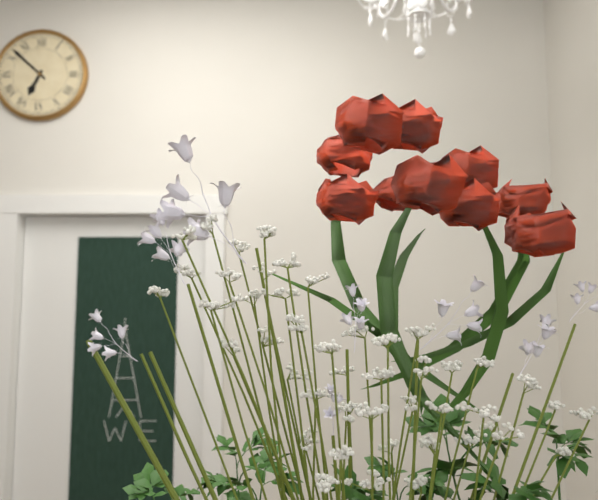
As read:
6,52
